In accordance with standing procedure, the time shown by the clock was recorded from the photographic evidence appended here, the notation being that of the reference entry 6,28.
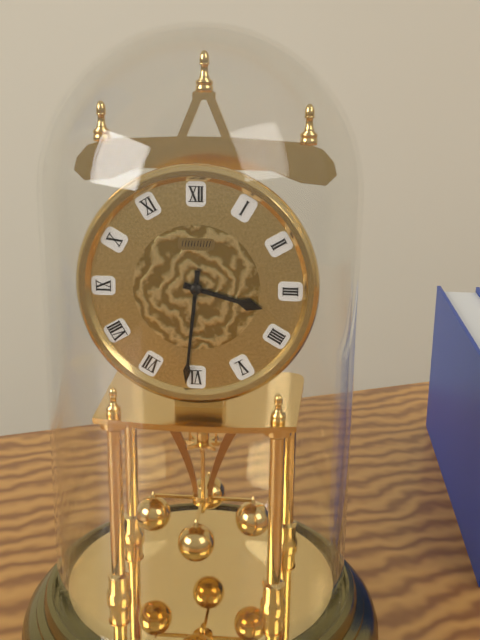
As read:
3,31
